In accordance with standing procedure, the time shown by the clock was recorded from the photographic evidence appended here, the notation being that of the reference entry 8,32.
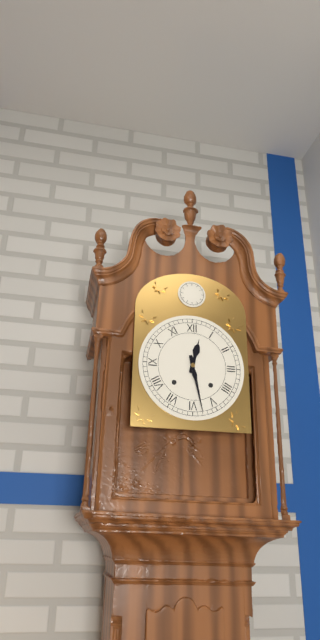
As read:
12,28
